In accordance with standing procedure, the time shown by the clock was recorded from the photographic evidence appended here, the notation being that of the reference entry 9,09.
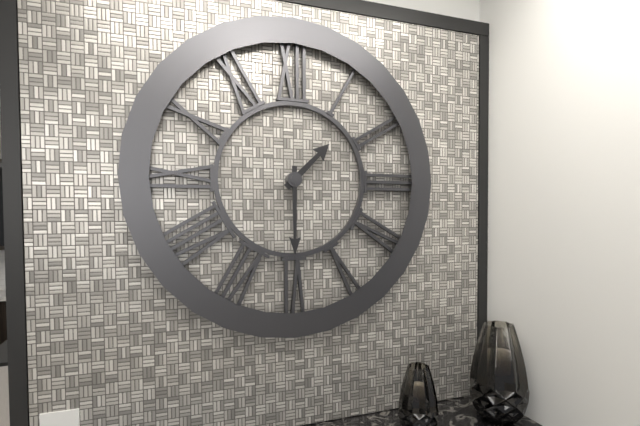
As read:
1,30
